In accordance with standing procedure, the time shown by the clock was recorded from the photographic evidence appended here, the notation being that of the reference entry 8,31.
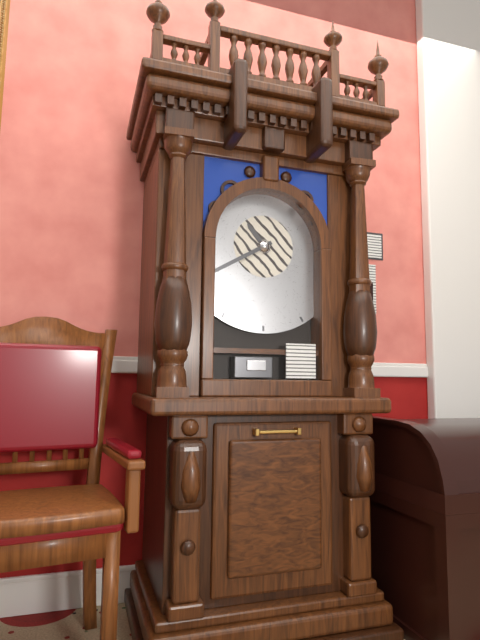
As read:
10,40
